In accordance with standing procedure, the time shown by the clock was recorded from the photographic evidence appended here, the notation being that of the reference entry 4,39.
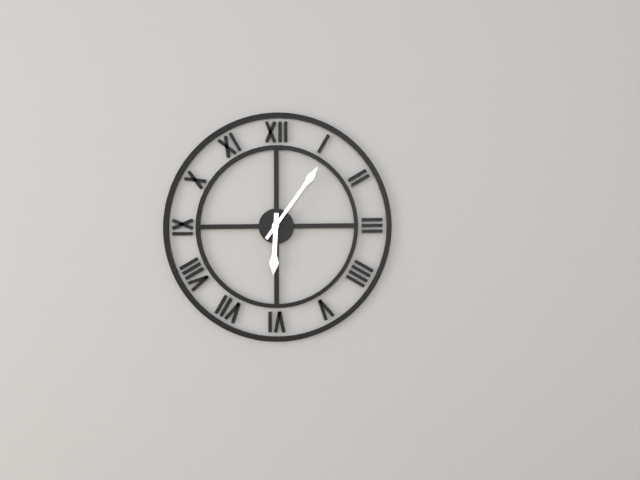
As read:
6,06
